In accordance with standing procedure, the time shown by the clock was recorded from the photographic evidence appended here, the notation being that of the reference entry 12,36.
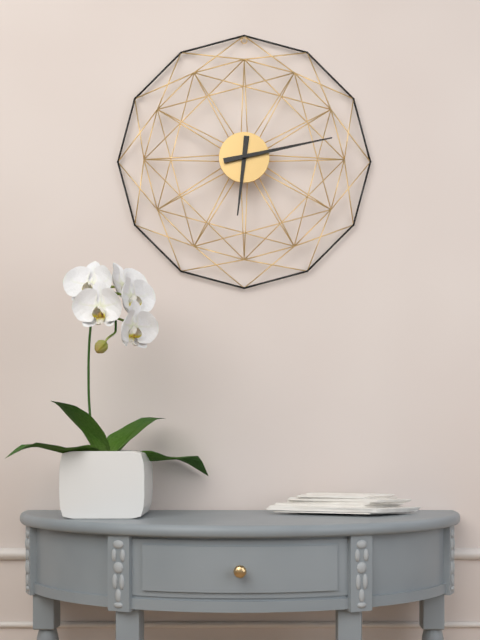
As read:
6,13
